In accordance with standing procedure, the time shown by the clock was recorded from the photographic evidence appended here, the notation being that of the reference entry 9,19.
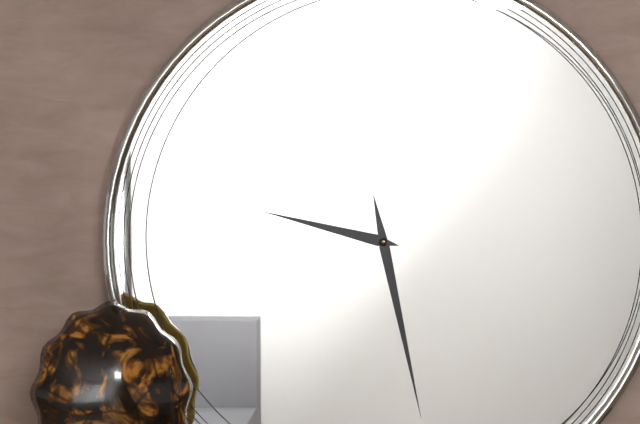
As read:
9,28
